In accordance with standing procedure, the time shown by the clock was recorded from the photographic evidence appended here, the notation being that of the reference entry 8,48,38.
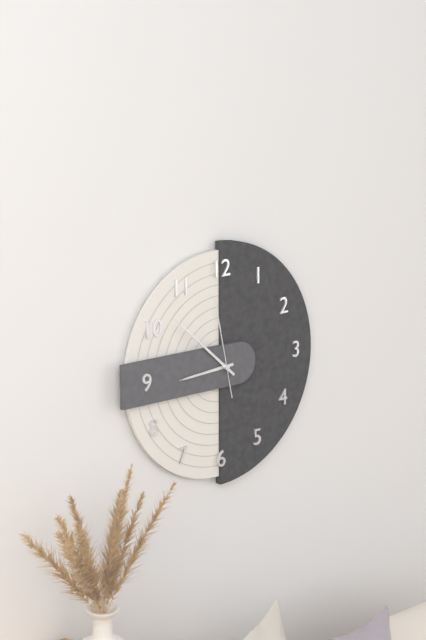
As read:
8,52,58
